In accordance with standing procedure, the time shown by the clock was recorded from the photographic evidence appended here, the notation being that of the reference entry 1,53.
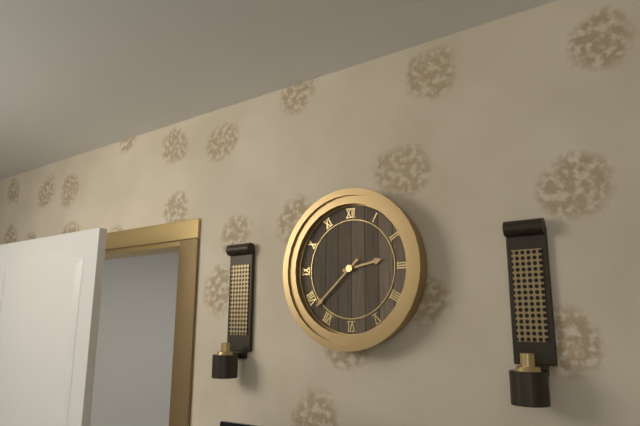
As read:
2,38
